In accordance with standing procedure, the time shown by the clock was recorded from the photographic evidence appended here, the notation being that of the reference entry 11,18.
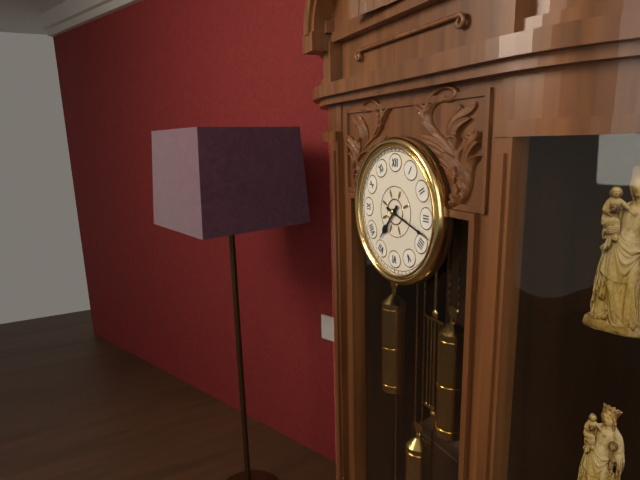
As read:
7,18
